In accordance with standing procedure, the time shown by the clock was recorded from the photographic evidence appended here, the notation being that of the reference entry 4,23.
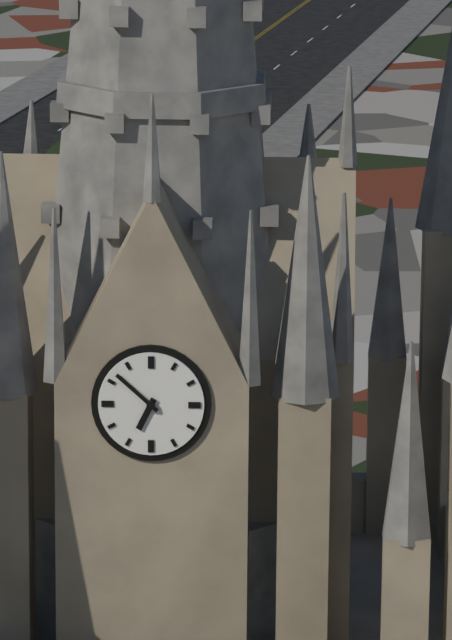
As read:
6,52
